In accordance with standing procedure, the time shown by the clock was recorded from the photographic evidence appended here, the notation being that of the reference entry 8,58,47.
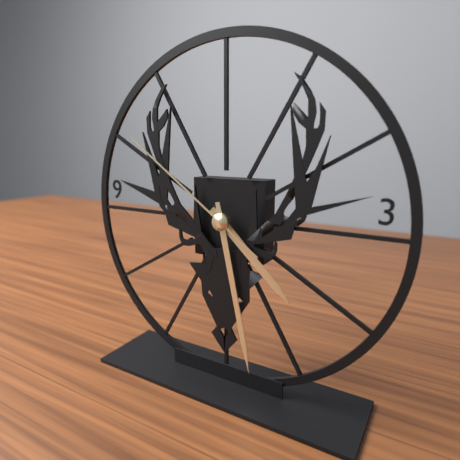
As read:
4,28,51
